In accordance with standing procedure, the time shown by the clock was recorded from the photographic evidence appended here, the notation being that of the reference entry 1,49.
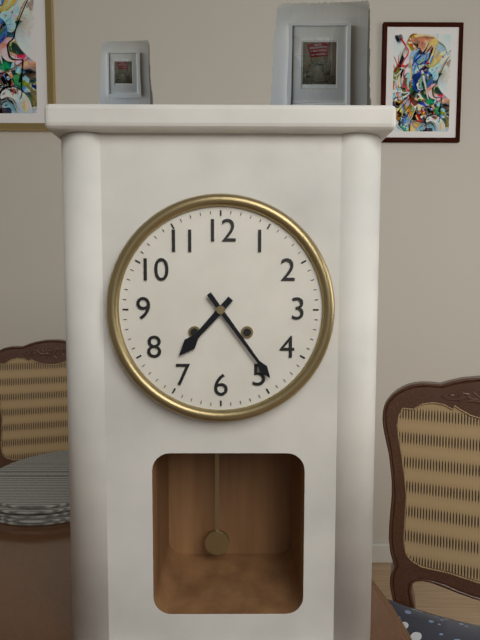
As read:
7,24
